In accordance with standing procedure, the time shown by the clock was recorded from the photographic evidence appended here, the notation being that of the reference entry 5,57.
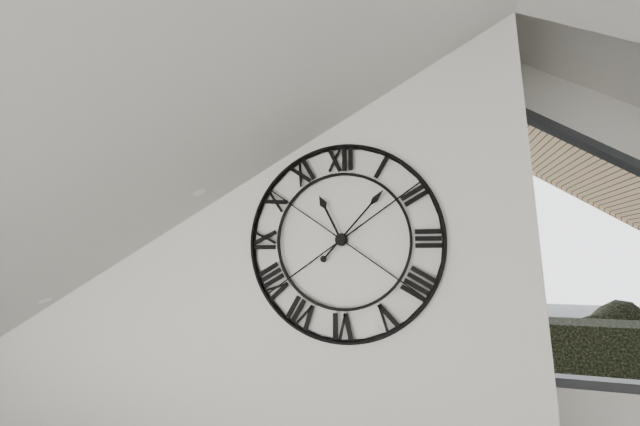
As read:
11,07
